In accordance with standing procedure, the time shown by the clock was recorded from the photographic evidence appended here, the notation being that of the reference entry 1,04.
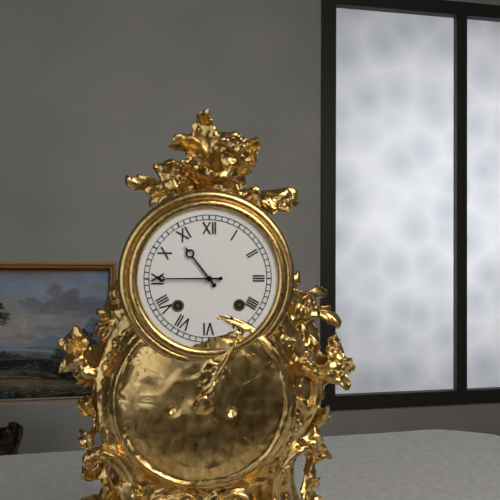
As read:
10,45
